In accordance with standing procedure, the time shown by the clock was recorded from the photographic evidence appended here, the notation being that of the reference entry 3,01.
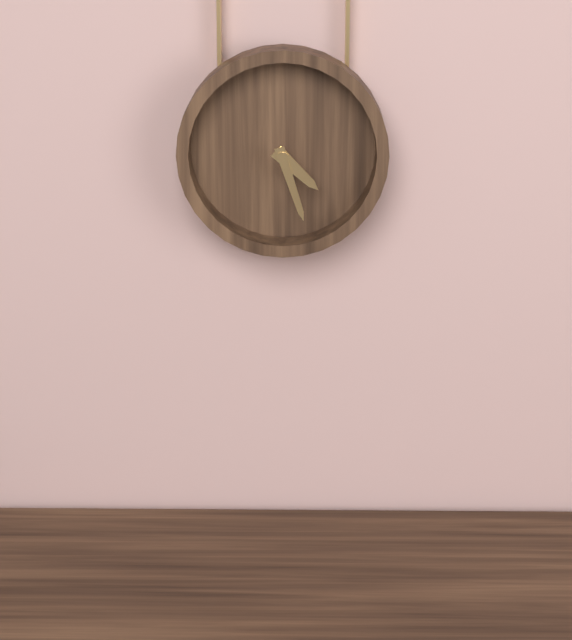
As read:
4,27
